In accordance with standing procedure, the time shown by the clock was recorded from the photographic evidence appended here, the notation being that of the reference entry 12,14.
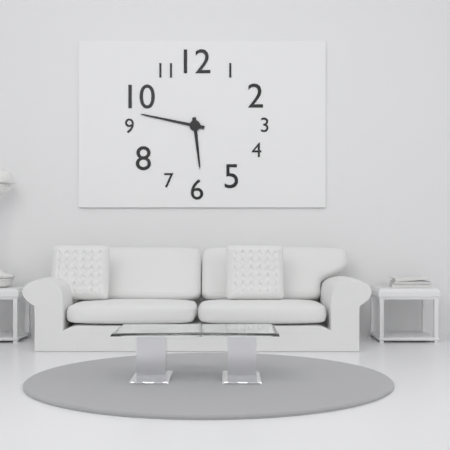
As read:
5,47
